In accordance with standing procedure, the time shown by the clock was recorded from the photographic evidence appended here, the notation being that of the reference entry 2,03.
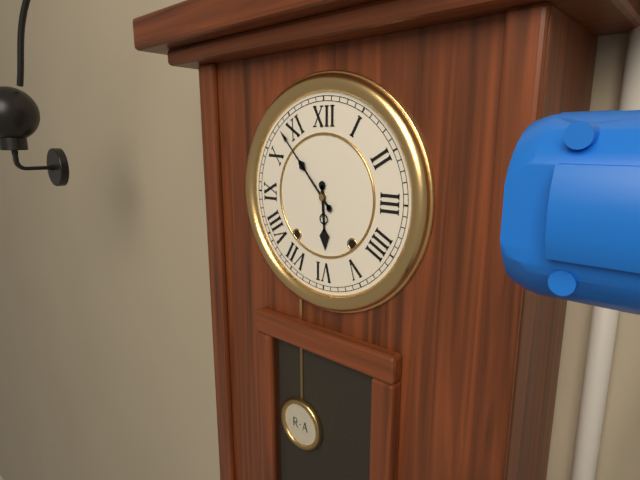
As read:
5,53
